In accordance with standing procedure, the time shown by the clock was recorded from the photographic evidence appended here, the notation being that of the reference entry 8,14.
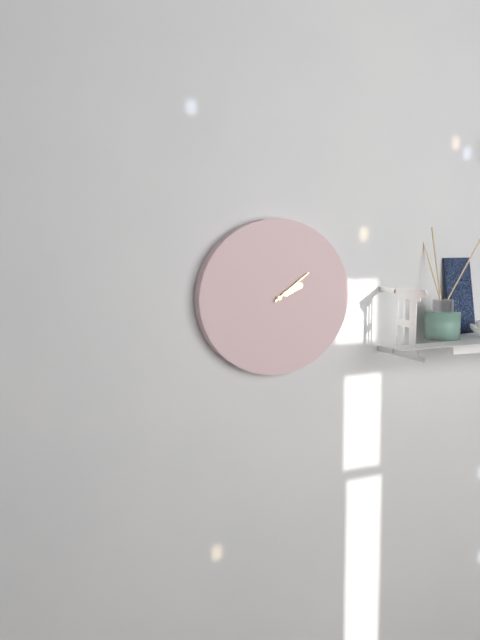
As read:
2,09
